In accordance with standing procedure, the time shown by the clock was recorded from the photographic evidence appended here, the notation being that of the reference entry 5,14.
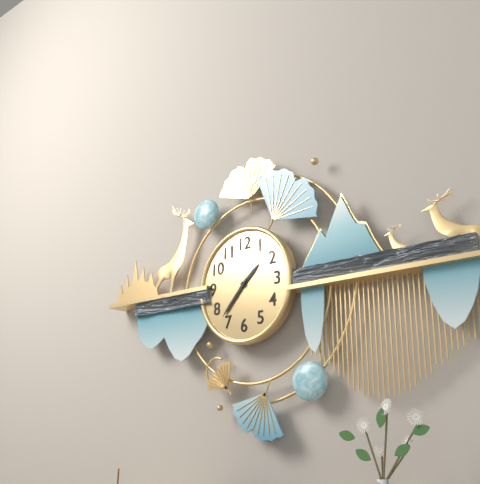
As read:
1,37
